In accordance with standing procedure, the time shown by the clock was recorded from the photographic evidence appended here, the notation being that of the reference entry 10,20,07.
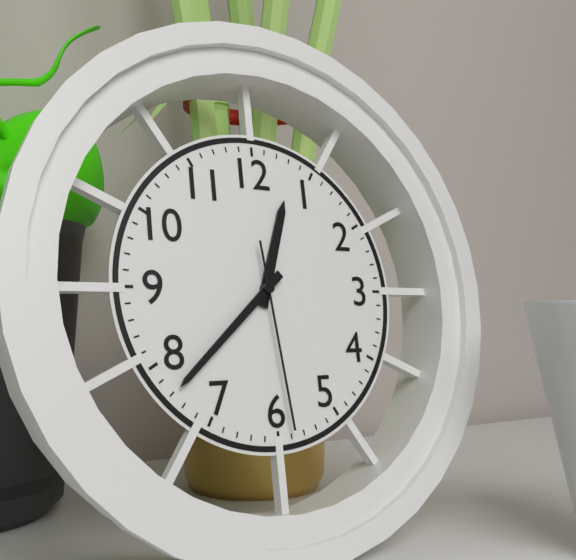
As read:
12,38,29
